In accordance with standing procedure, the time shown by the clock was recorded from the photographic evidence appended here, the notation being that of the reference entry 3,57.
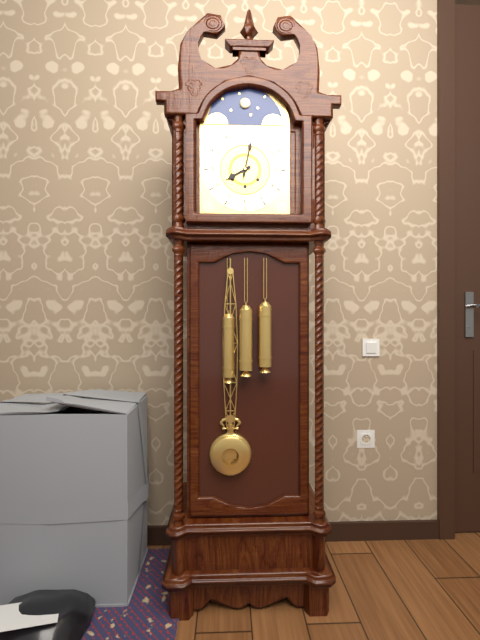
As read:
8,02
